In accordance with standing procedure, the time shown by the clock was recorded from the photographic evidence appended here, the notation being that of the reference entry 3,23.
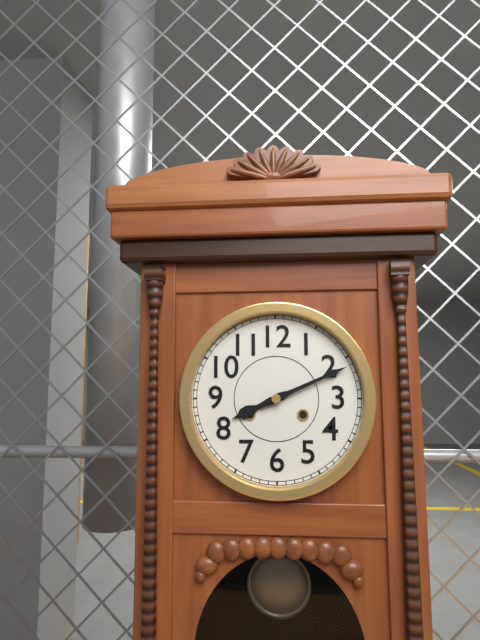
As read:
8,11
